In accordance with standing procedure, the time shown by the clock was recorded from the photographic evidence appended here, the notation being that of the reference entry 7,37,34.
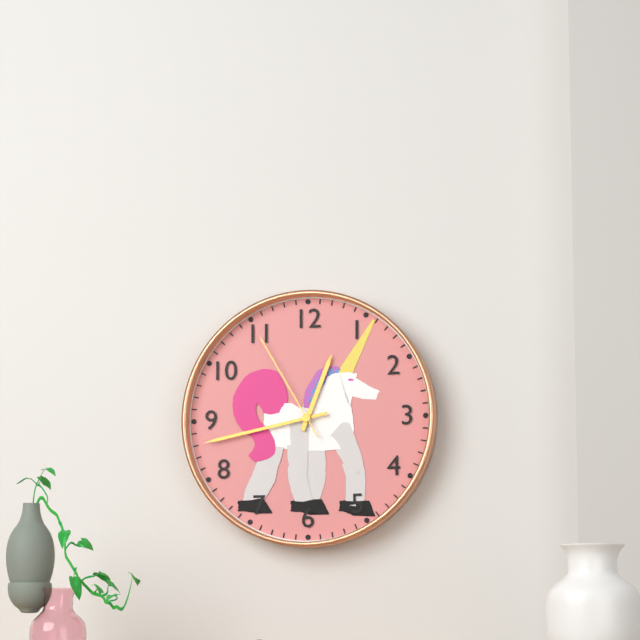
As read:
12,43,55
